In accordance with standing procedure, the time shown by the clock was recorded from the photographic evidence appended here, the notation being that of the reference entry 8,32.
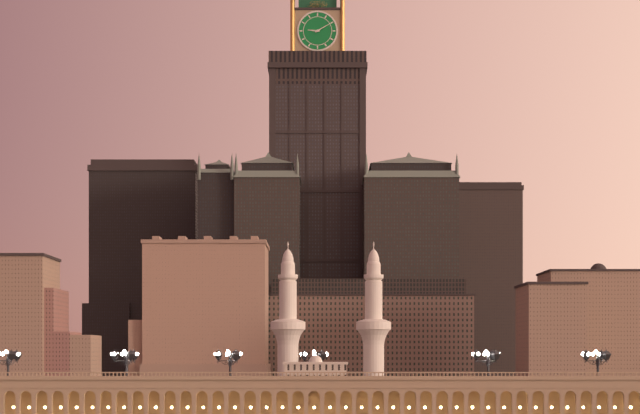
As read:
9,10
